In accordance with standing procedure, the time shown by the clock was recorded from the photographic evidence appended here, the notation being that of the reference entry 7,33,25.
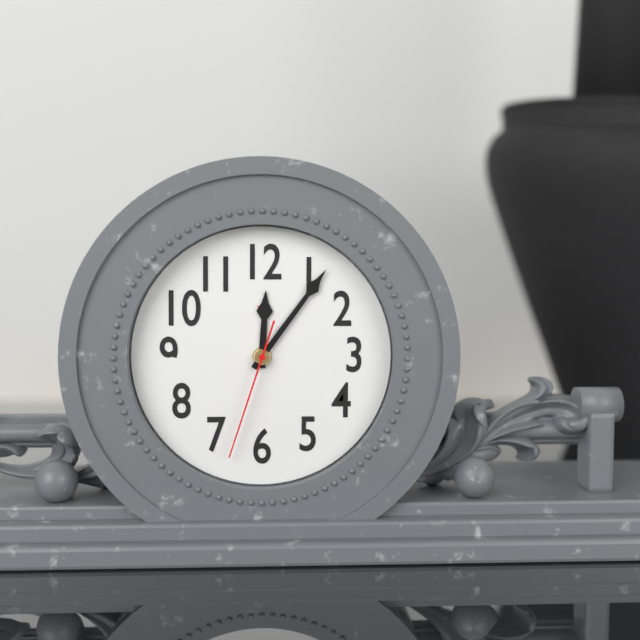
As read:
12,06,33
